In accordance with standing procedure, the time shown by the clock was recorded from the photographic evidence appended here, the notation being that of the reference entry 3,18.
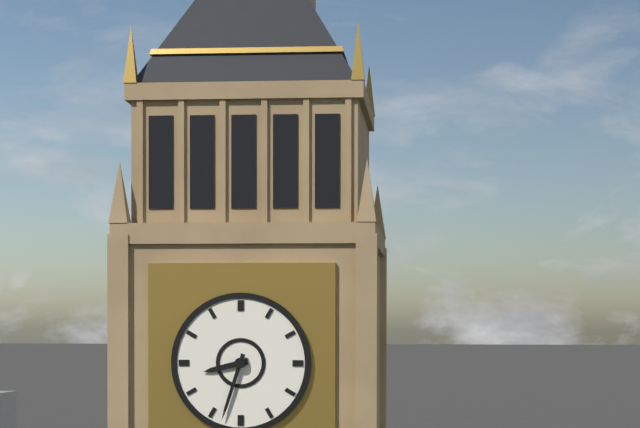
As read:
8,33
